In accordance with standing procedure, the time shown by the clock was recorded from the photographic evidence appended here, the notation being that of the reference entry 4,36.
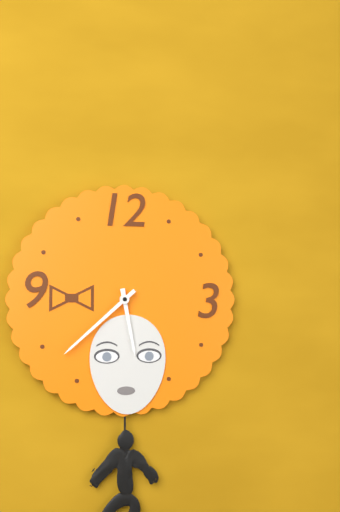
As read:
5,38
